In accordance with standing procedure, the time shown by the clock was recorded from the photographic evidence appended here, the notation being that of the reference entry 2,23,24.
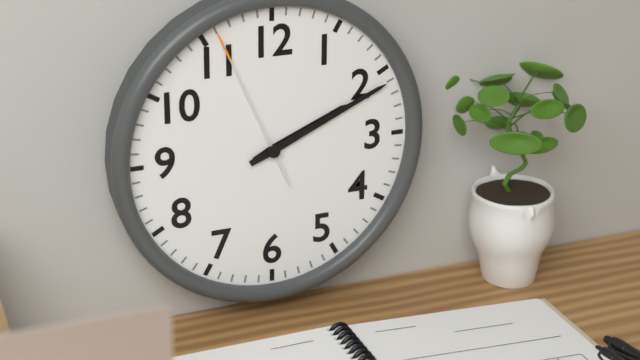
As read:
2,11,56
